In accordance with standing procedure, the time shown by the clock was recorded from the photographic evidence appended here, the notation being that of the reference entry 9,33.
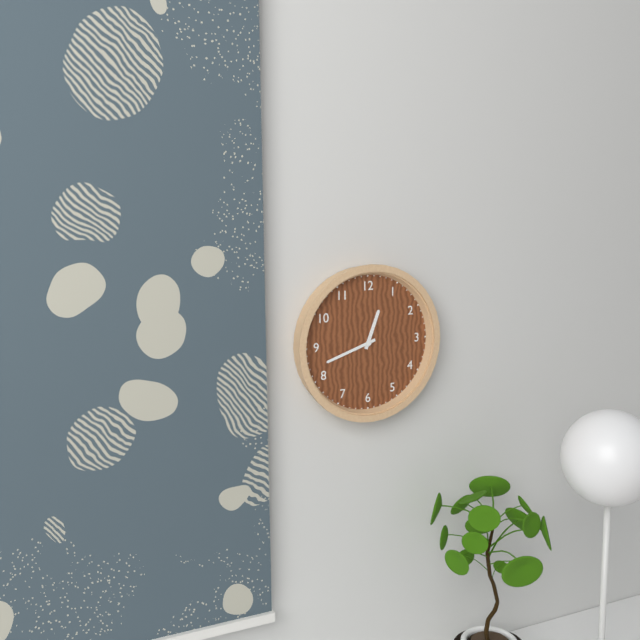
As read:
12,42
